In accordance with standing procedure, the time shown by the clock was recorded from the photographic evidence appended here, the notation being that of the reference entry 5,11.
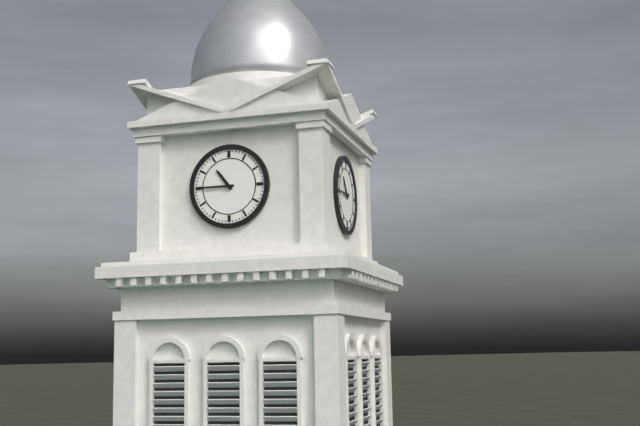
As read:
10,45
